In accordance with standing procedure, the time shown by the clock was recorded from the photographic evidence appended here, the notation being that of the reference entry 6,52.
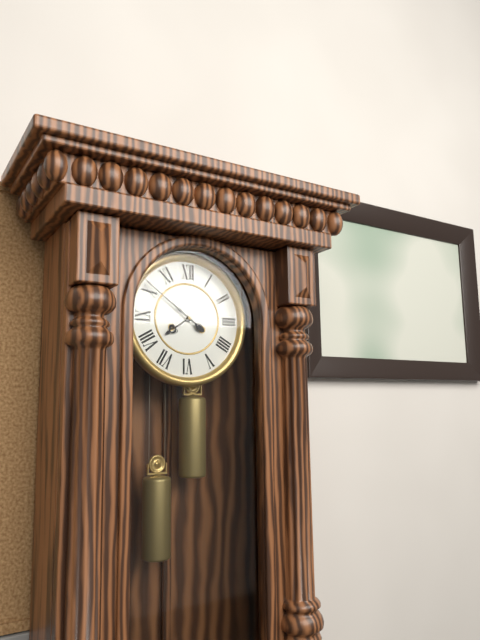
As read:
7,51
